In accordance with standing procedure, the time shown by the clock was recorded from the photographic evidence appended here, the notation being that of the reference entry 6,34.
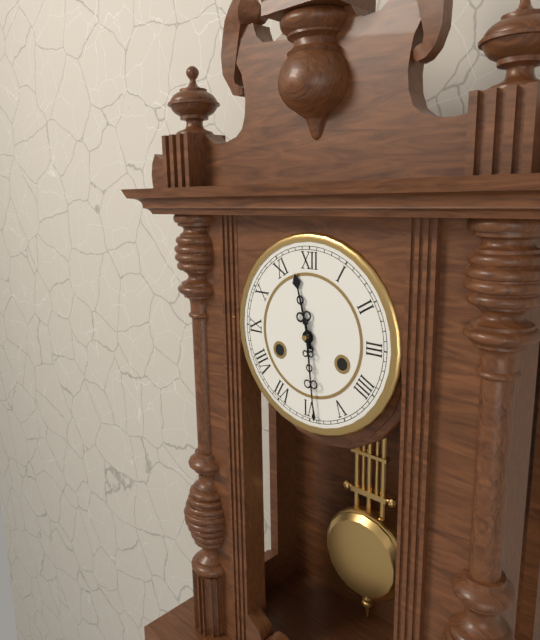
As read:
11,29
